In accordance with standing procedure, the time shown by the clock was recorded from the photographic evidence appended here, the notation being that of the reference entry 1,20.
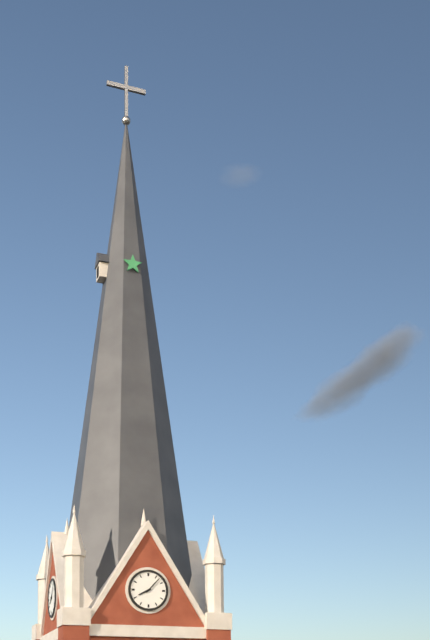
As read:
8,07
